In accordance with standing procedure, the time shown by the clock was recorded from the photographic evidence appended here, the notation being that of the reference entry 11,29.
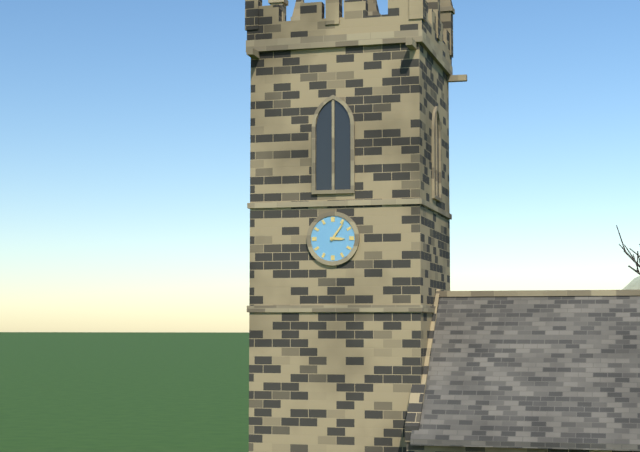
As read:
3,06
